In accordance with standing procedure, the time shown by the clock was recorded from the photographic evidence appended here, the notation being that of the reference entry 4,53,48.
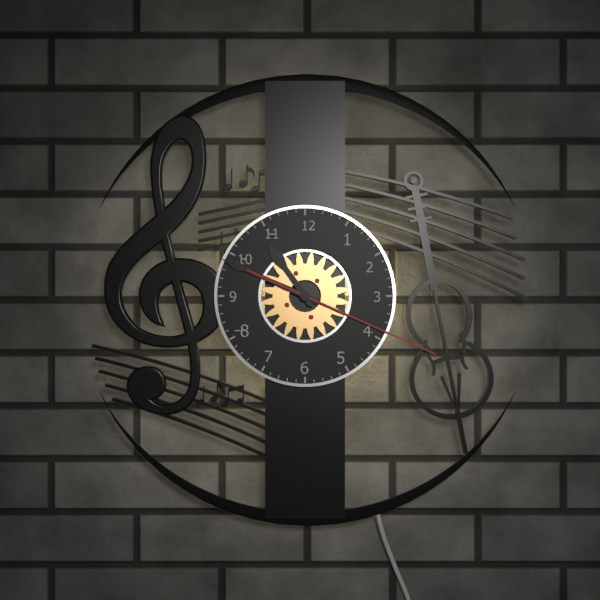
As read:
10,49,19
